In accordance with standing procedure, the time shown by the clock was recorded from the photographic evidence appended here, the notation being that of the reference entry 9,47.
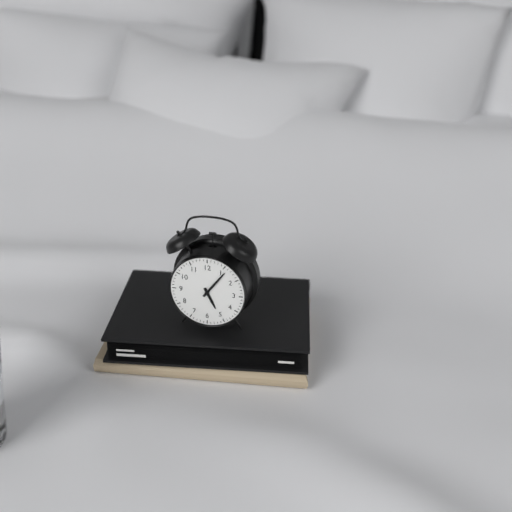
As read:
5,06
